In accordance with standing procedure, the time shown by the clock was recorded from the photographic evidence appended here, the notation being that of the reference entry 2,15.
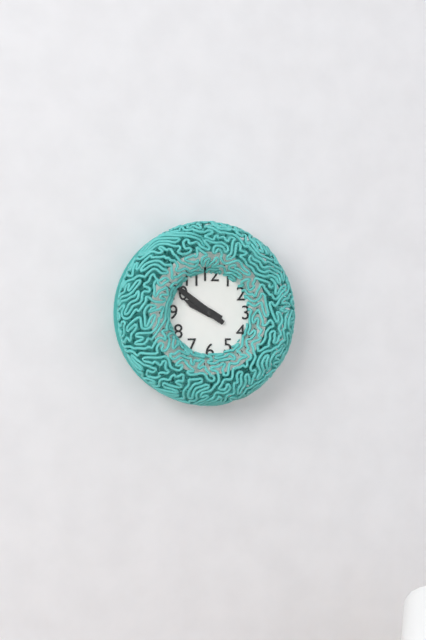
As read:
9,51
